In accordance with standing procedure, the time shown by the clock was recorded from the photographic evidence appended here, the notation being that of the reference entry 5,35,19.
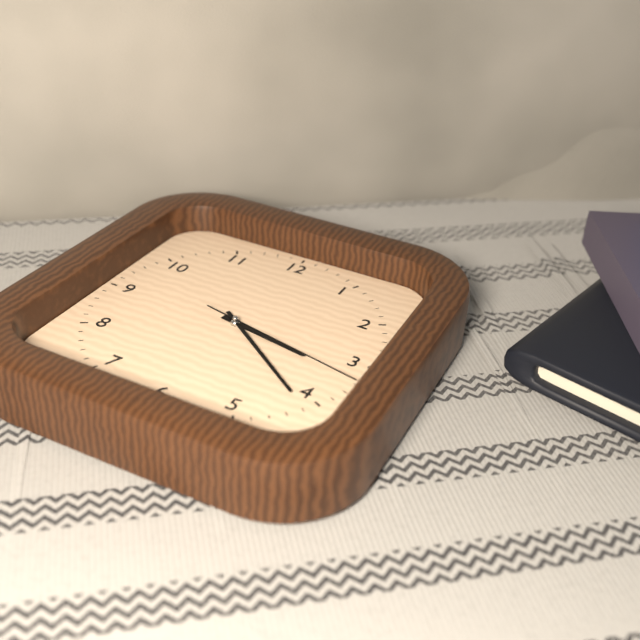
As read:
3,21,17
